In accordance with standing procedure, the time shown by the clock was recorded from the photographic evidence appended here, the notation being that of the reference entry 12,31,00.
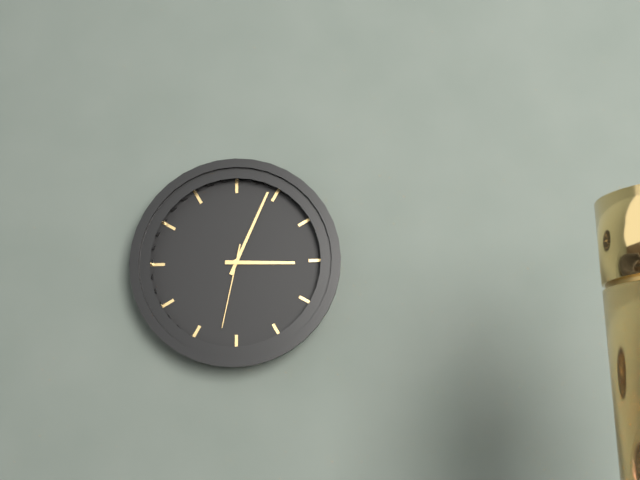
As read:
3,04,32
